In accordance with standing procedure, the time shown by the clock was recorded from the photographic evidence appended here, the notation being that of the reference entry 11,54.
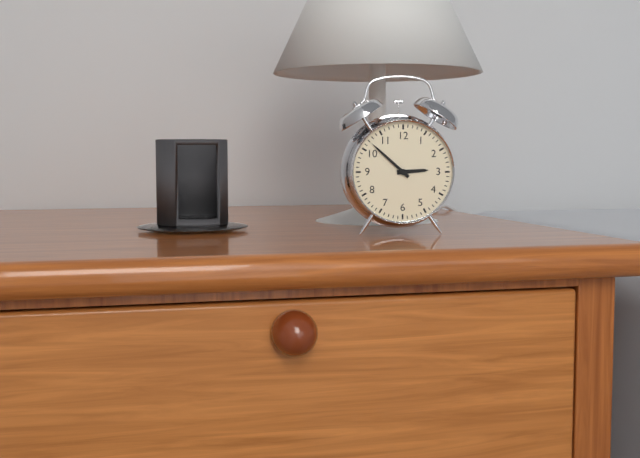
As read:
2,52
